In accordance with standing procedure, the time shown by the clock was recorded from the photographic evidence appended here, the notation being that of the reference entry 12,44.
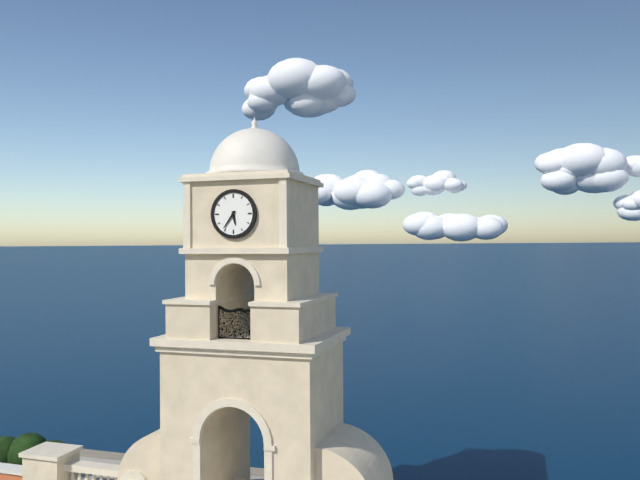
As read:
5,36
